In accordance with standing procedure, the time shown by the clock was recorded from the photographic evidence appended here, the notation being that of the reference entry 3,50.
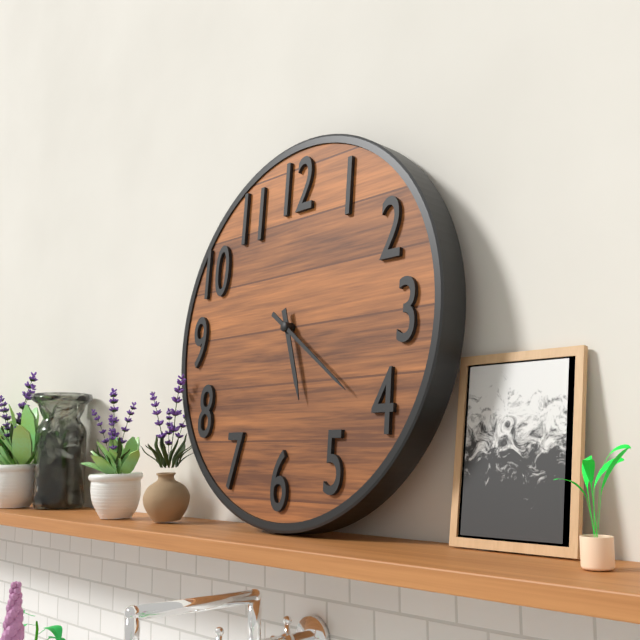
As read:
5,21
